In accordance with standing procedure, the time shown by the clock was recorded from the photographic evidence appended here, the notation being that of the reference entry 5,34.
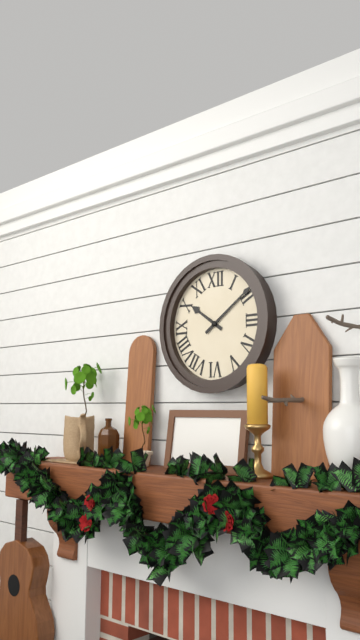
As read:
10,09
